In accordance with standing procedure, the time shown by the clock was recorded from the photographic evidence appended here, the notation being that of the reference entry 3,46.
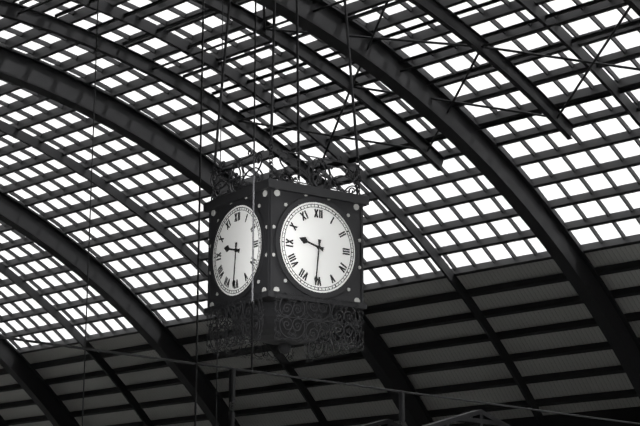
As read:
9,31
